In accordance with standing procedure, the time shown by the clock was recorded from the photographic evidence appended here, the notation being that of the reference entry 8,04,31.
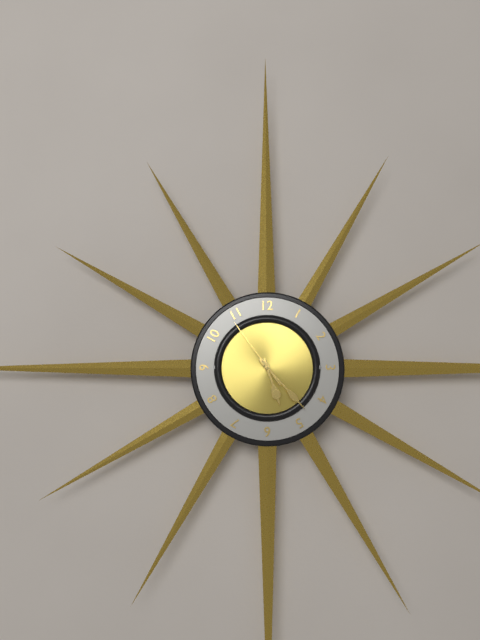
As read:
5,23,54
